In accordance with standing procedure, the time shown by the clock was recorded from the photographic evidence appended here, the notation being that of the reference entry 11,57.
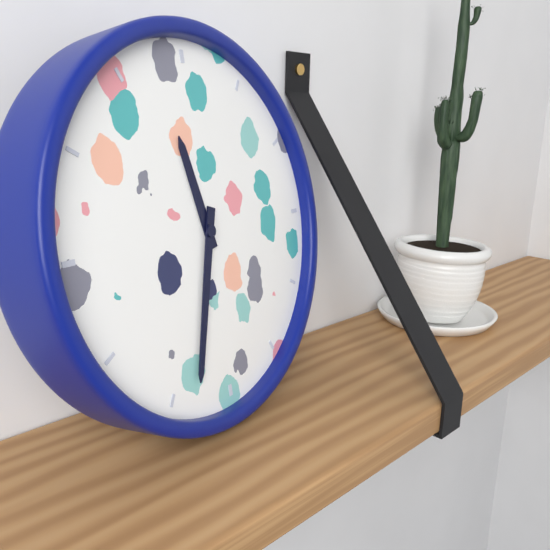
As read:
11,33
